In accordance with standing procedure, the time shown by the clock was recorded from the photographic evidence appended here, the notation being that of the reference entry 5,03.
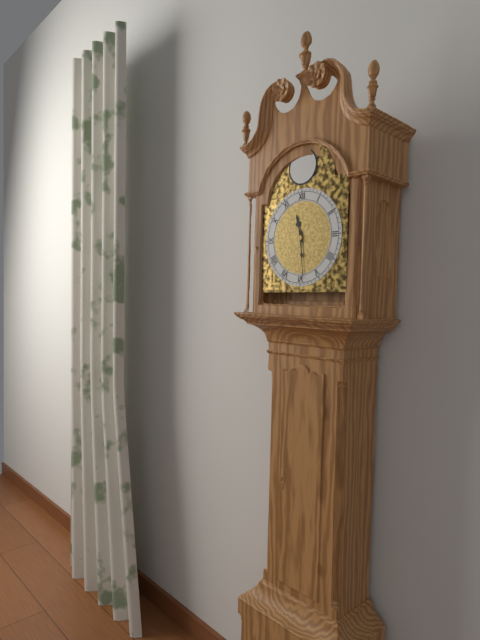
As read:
11,29
